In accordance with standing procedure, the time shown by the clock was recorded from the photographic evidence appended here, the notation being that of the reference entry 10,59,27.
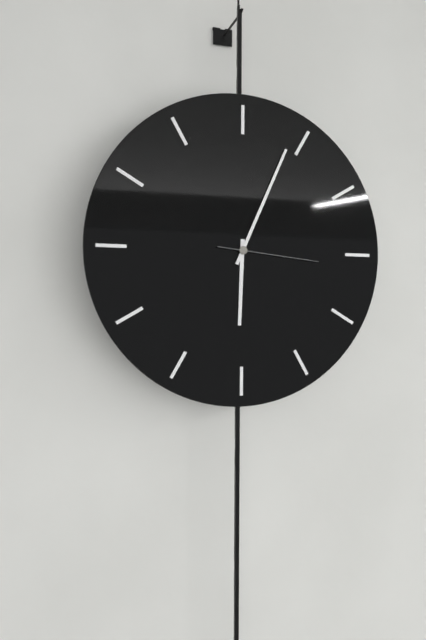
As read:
6,04,16
